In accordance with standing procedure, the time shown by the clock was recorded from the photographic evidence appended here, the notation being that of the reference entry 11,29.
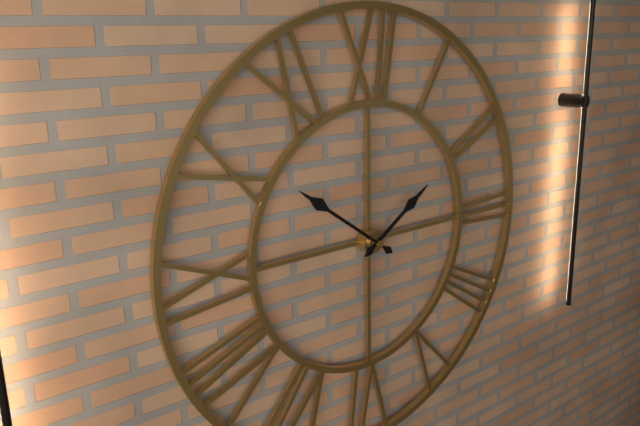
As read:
1,51
